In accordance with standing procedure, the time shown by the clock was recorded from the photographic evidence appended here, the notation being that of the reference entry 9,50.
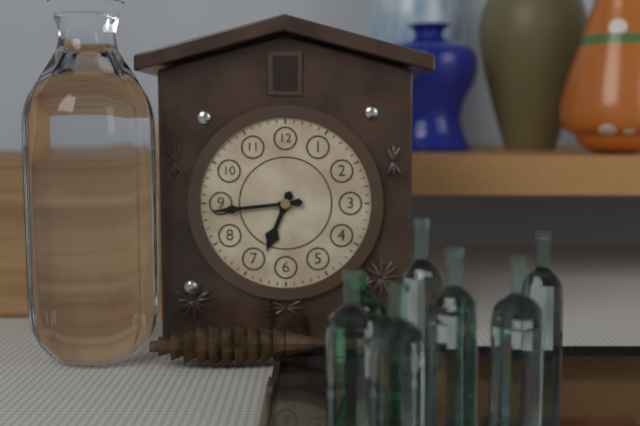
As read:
6,44
